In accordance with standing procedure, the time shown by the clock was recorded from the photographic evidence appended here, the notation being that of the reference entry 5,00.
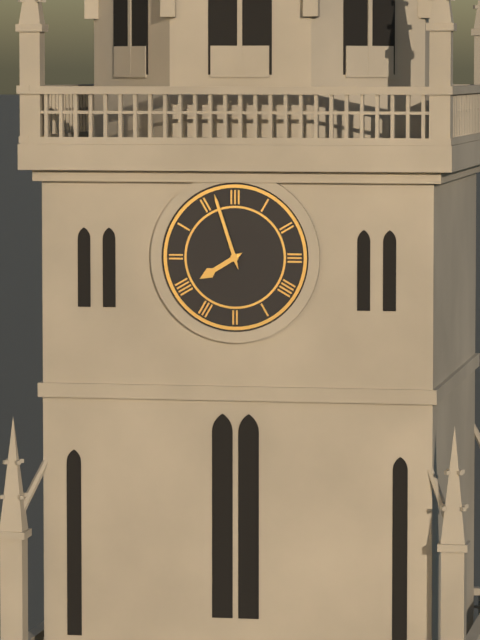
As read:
7,57
